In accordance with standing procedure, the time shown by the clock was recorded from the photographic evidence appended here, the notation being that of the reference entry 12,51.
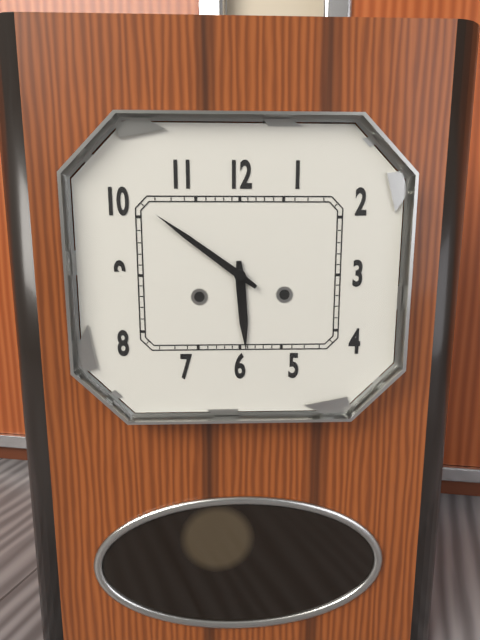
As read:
5,51
